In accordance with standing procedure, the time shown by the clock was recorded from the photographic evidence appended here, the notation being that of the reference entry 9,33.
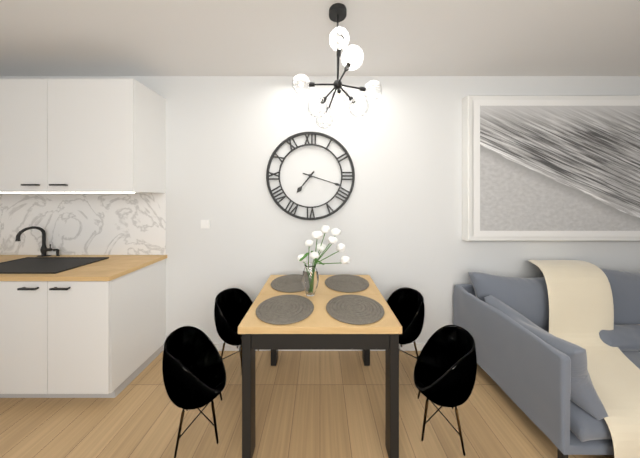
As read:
7,18
